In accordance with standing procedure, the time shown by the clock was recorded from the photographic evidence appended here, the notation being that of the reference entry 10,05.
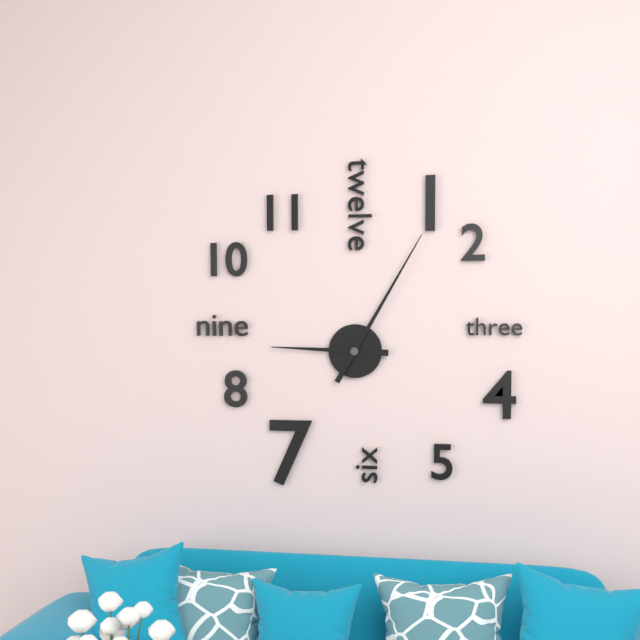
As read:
9,05
